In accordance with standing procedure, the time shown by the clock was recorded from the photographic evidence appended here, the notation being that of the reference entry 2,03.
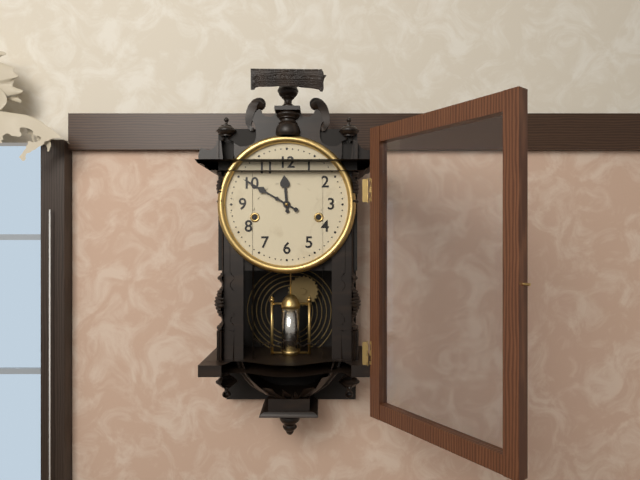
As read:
11,50
